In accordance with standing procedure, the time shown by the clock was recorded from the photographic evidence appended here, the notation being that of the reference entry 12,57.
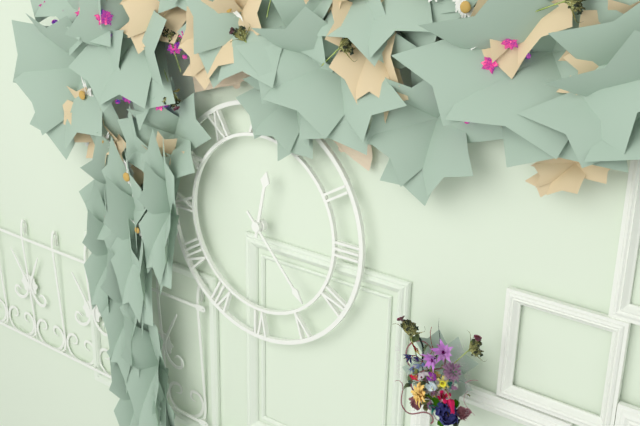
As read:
12,23
